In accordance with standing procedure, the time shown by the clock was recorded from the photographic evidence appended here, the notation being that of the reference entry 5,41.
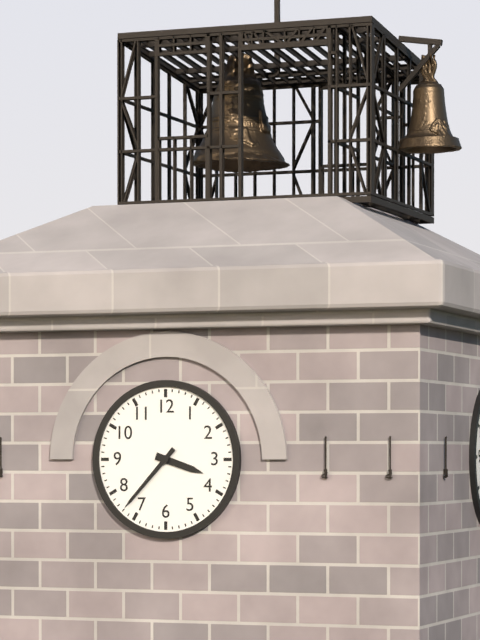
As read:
3,37
